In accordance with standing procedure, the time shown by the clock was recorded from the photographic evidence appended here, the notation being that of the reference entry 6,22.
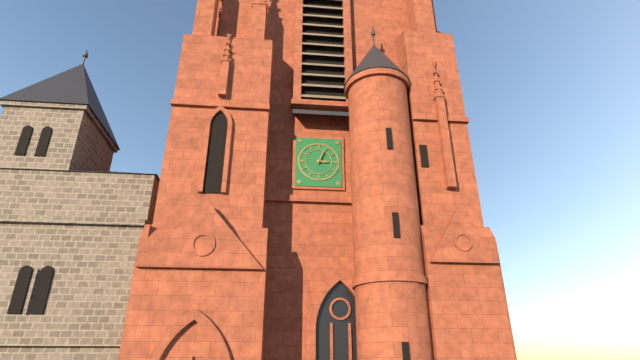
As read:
3,04
